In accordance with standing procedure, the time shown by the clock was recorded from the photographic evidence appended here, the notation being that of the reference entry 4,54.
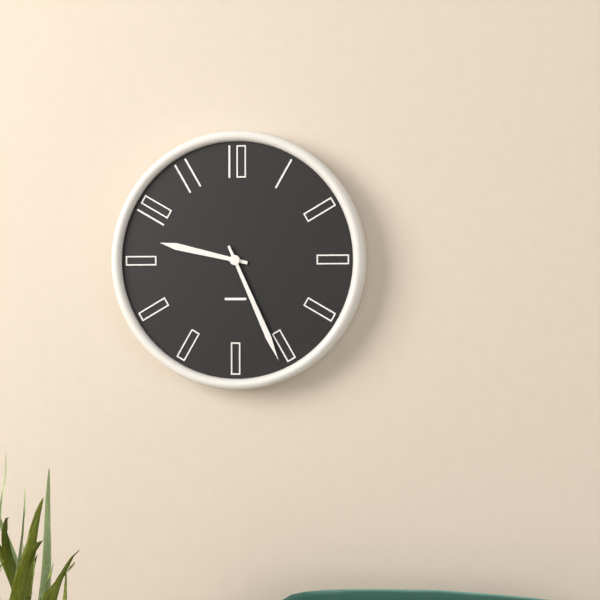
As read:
9,26
